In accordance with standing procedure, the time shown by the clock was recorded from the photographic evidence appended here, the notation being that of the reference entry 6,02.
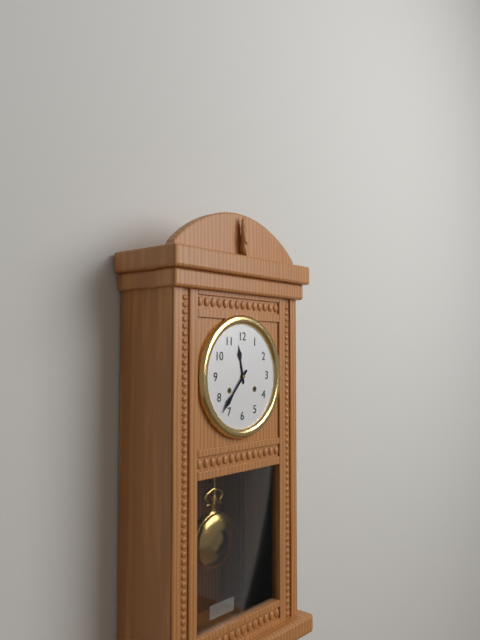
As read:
11,37
